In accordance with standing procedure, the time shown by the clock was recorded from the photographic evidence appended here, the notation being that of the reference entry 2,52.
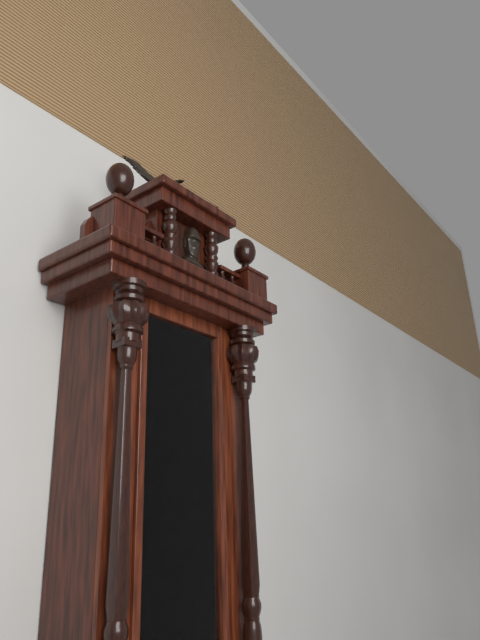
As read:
5,18
